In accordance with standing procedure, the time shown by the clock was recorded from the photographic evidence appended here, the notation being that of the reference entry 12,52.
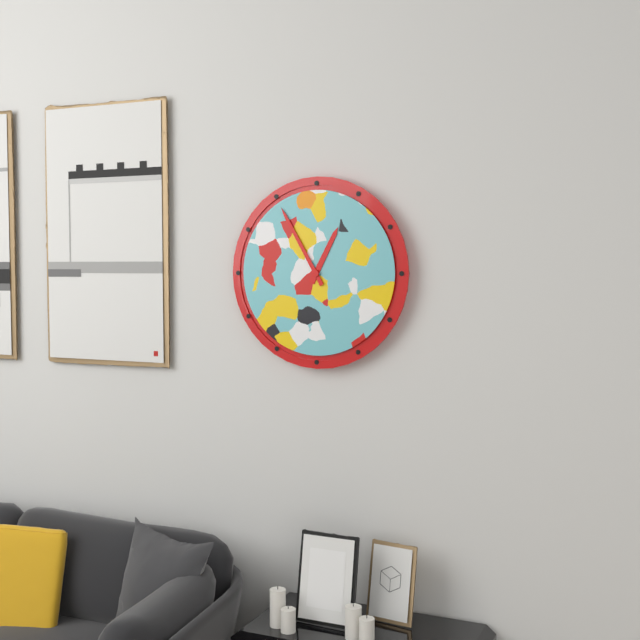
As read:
12,55
